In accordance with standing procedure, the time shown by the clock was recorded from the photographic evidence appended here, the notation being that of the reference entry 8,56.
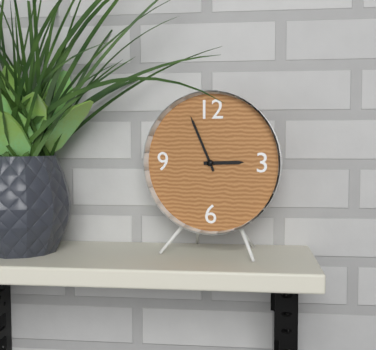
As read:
2,56
